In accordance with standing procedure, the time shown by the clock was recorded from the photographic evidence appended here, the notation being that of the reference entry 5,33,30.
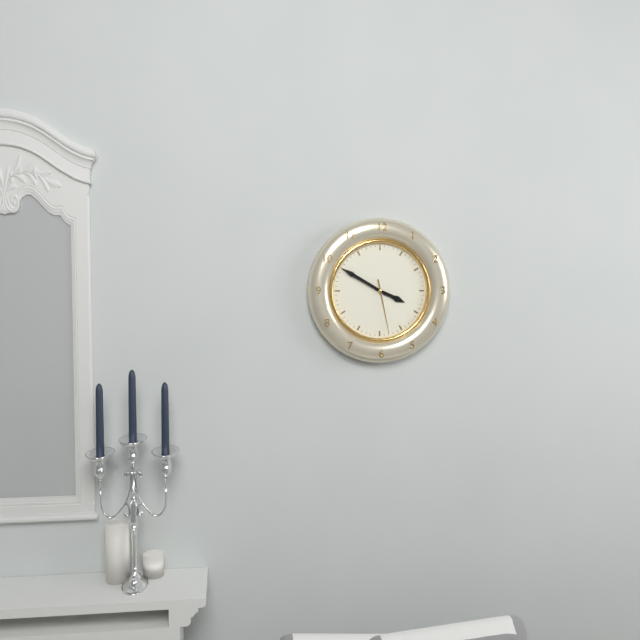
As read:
3,50,28
